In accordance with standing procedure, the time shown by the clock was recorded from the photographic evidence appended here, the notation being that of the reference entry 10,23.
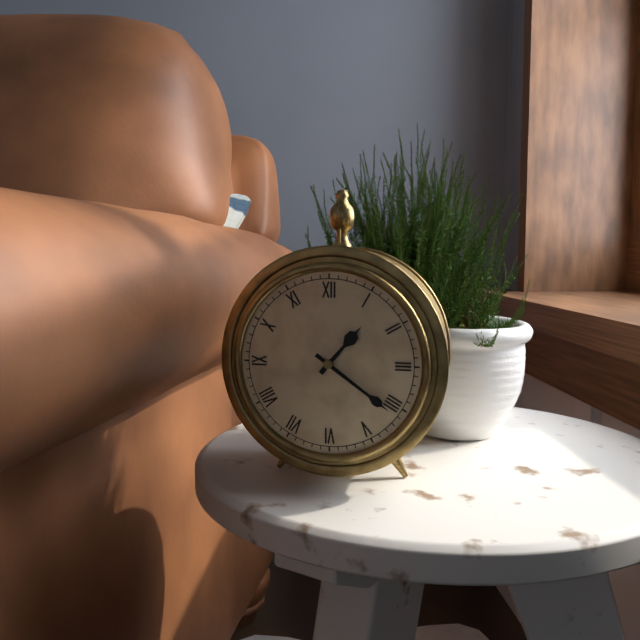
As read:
1,21
